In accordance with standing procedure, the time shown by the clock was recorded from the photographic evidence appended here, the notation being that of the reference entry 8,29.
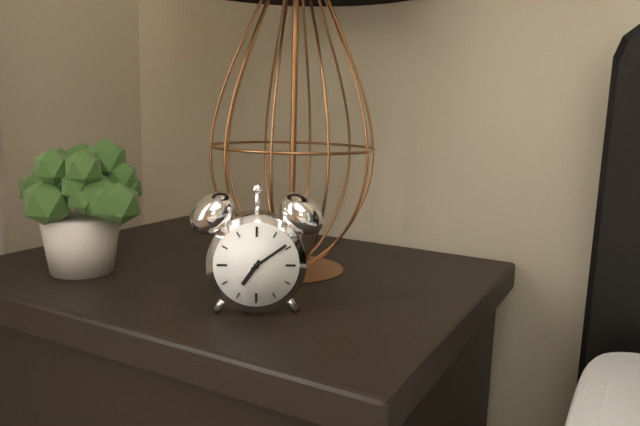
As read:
7,09
